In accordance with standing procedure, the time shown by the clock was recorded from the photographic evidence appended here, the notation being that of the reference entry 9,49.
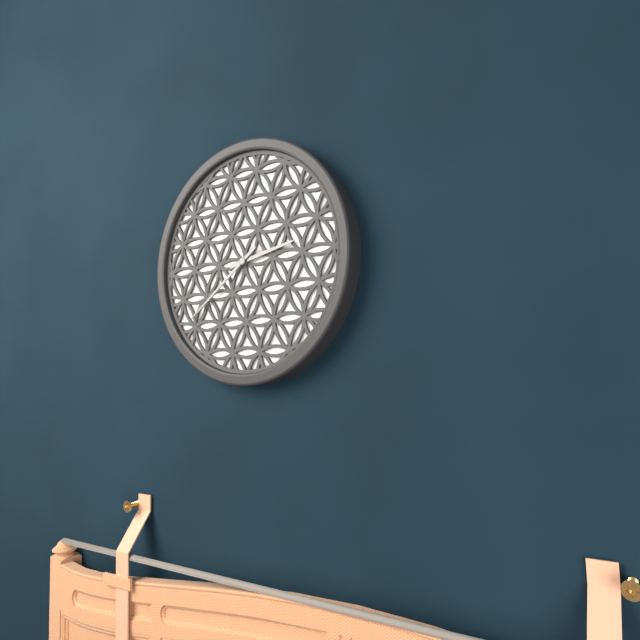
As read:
2,39
